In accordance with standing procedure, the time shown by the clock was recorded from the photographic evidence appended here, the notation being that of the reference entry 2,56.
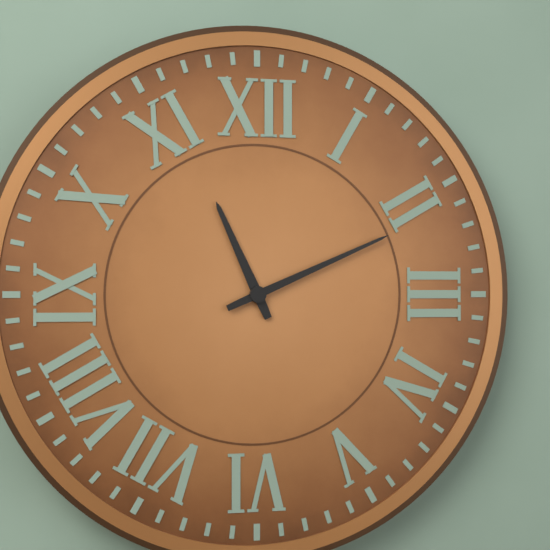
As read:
11,11
